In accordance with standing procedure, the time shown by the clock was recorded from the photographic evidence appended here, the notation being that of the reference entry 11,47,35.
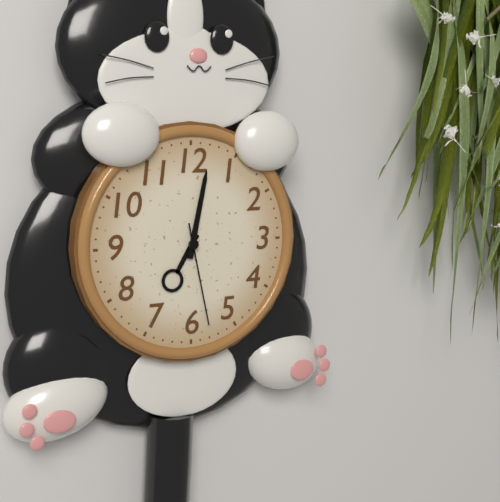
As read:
7,02,28
